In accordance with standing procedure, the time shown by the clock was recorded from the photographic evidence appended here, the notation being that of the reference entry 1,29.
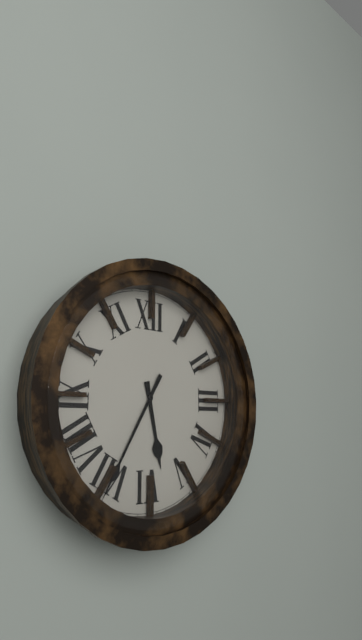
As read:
5,35
